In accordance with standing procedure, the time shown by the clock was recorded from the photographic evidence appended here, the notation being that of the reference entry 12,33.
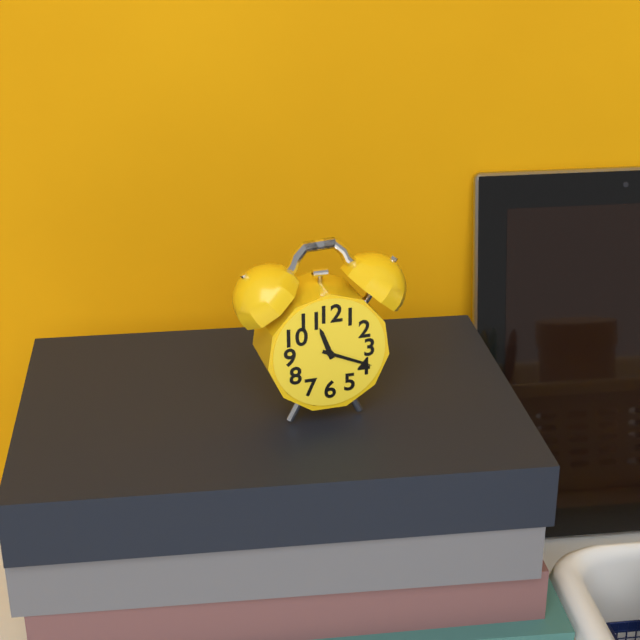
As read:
11,19
